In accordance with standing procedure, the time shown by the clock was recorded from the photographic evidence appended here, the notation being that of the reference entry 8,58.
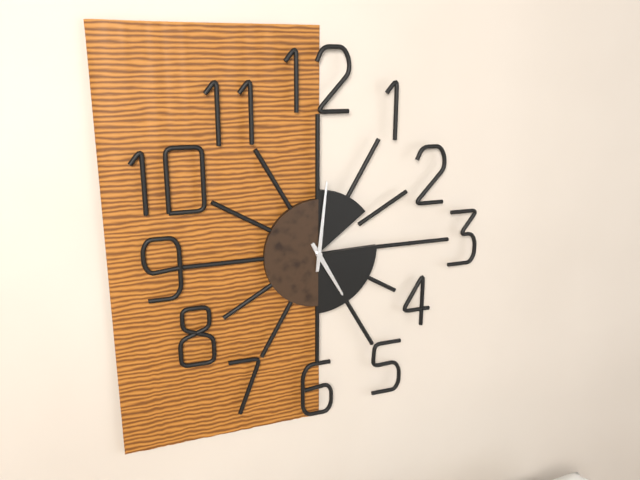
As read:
5,01
